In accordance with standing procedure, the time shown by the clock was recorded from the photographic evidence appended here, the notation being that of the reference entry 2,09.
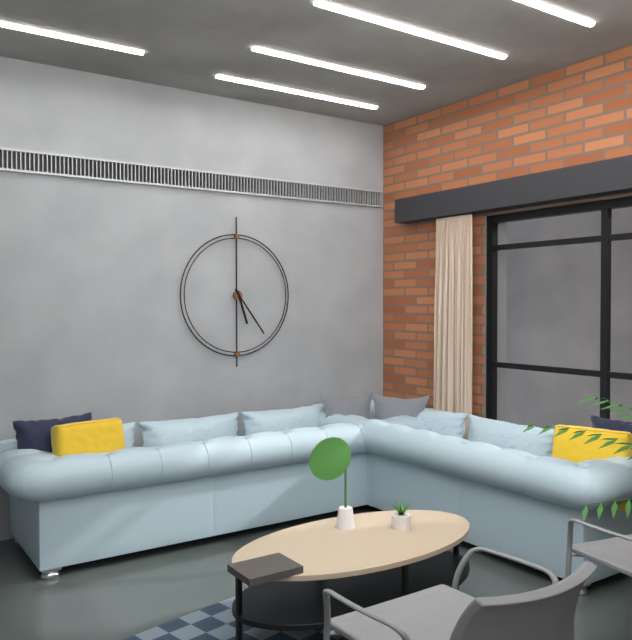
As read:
5,24
